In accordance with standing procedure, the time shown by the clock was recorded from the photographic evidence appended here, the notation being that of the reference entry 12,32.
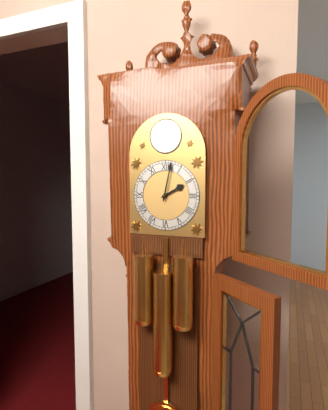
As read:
2,02
